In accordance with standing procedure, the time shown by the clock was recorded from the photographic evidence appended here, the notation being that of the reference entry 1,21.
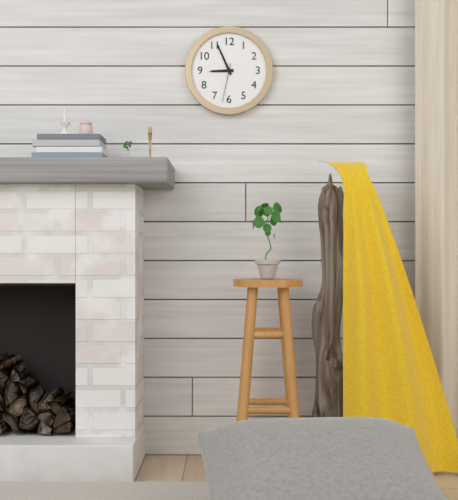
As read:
8,56
